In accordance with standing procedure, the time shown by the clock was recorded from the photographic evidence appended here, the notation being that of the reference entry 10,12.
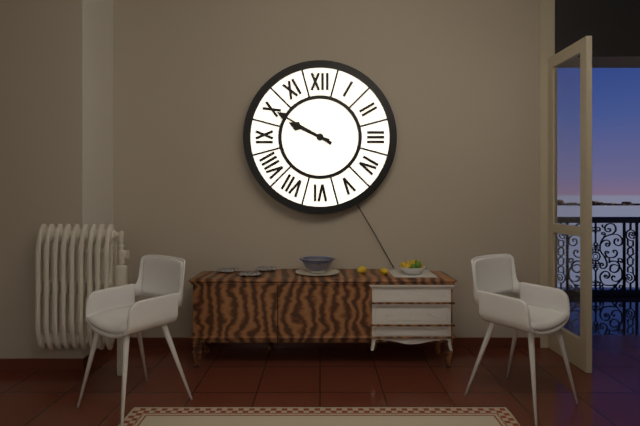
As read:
9,50
